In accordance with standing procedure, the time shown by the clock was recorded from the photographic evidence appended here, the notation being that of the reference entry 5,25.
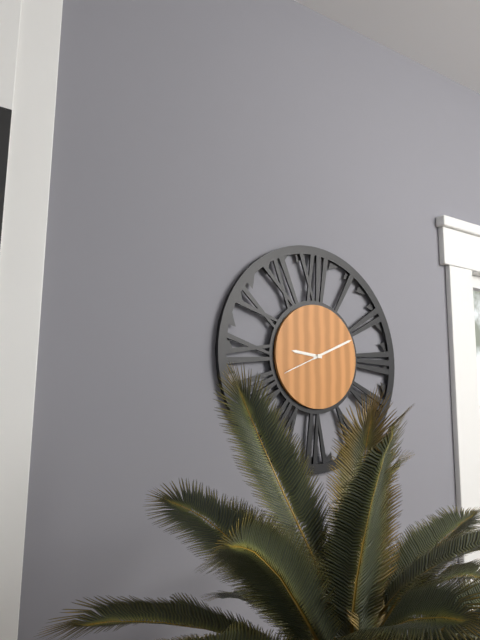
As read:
9,11
